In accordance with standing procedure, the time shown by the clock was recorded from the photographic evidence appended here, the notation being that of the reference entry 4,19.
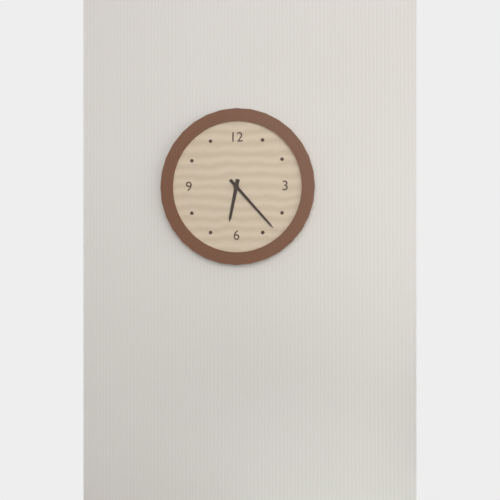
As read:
6,23
